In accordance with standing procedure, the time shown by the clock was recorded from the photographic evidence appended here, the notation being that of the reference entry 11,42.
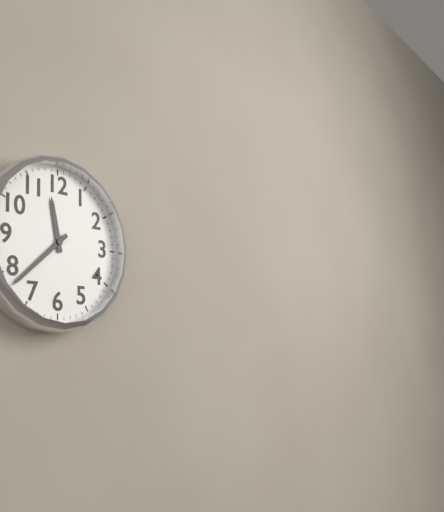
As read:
11,38
